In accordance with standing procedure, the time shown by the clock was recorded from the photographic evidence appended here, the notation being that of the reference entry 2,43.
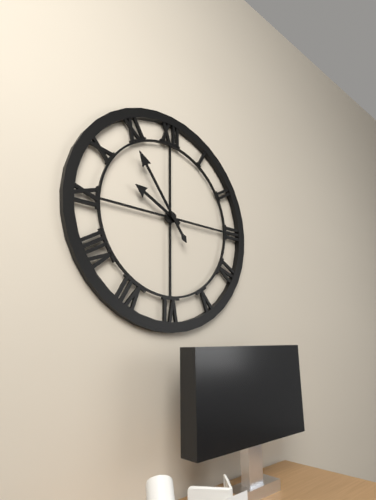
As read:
9,54
